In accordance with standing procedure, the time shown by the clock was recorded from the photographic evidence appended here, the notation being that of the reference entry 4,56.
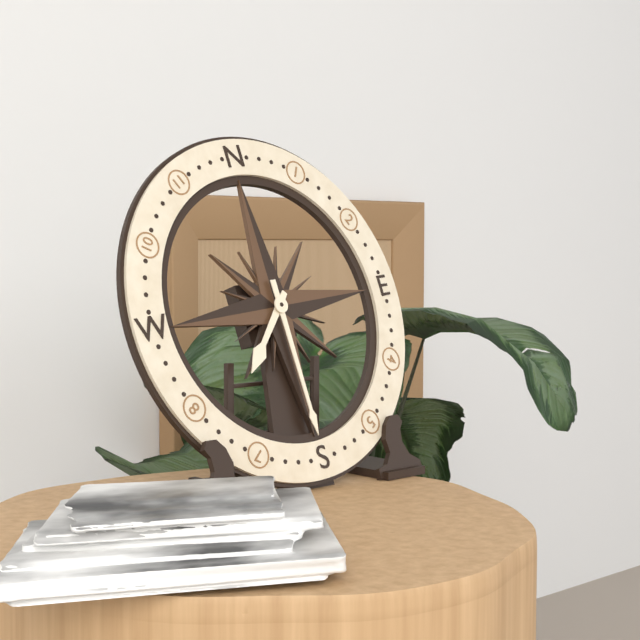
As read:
7,30
